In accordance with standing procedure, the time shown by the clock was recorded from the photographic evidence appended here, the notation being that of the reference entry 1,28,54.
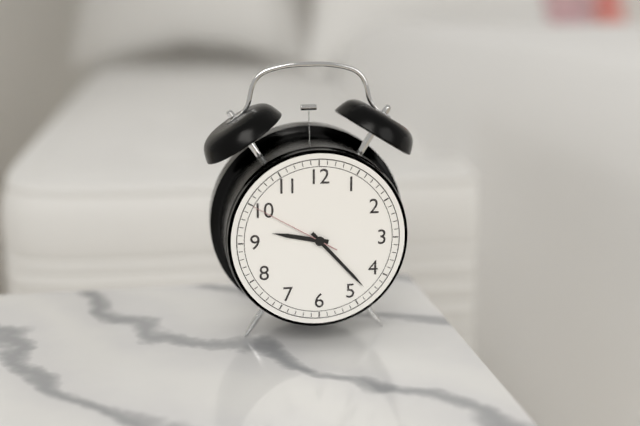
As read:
9,23,50
